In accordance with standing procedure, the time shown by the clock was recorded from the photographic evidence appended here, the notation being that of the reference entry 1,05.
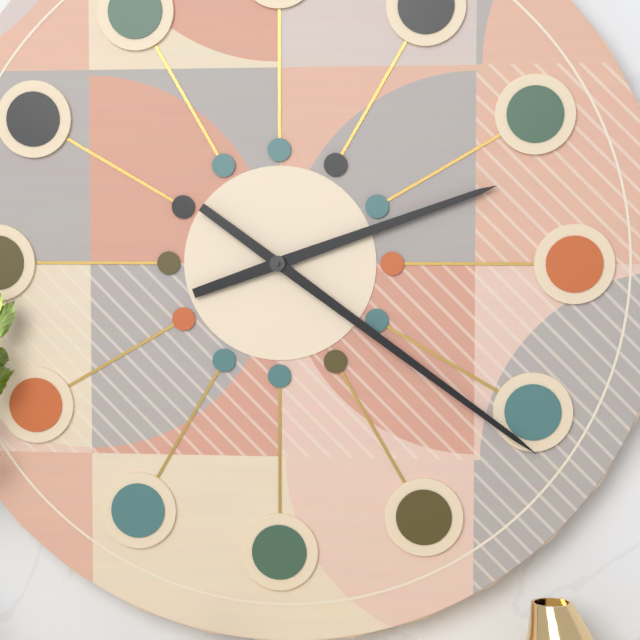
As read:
2,21
